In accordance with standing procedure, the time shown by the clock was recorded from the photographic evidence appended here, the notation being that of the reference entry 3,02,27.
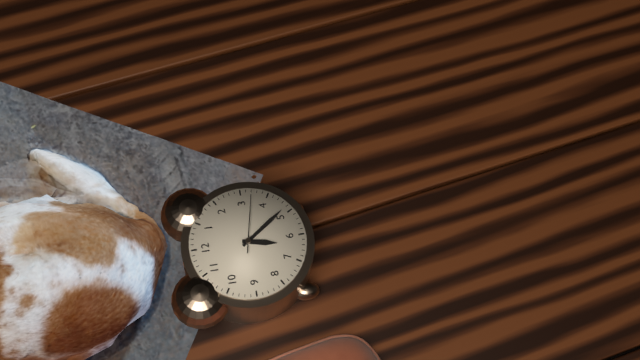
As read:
6,24,17
